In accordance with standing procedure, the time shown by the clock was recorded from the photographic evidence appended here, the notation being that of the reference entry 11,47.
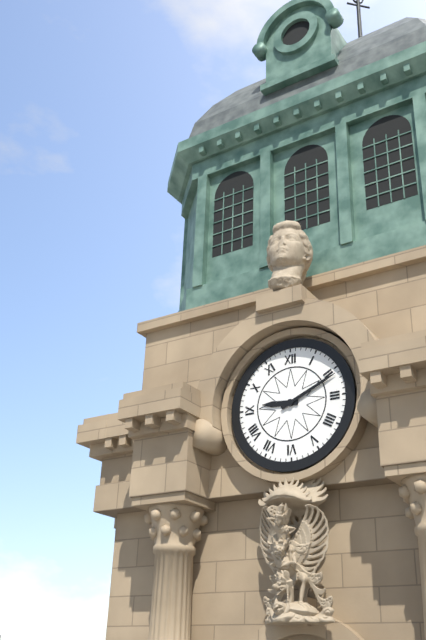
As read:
9,11
